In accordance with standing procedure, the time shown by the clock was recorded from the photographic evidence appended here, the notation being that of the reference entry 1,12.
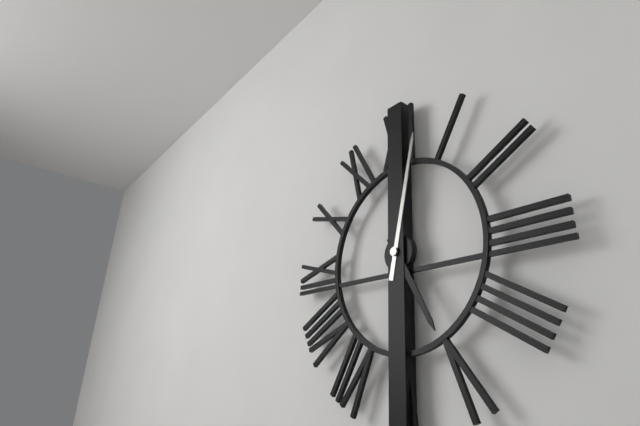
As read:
5,02
